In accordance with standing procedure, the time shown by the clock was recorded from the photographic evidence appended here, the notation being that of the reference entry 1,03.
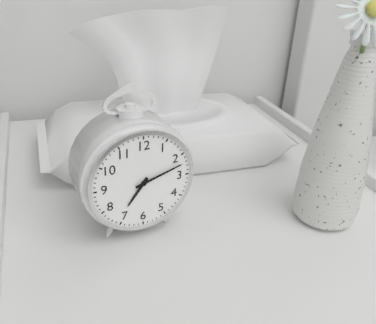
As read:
7,12
